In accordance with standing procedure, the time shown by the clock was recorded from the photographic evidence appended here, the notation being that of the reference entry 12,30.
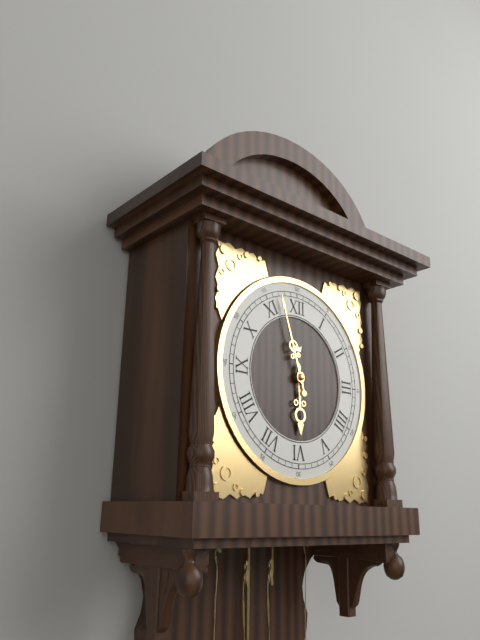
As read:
5,57
